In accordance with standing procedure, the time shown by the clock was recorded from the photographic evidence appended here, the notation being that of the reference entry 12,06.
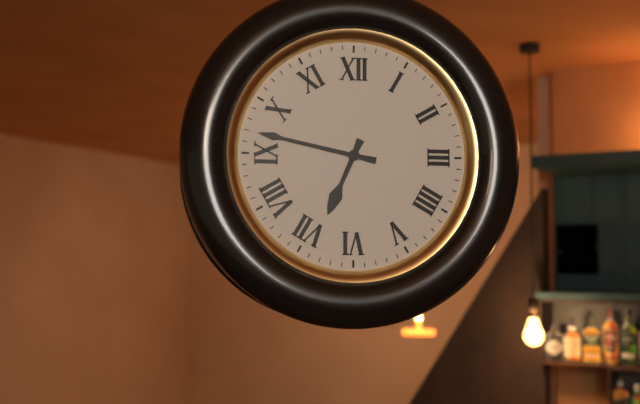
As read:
6,47
